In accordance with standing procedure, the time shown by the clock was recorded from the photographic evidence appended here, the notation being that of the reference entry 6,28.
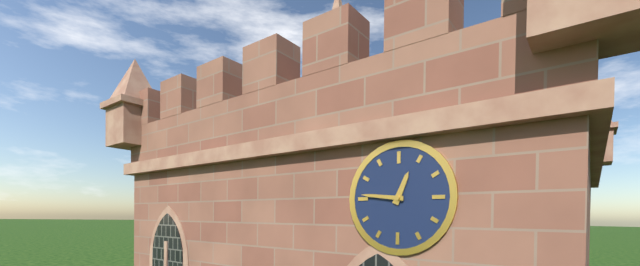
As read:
12,46
